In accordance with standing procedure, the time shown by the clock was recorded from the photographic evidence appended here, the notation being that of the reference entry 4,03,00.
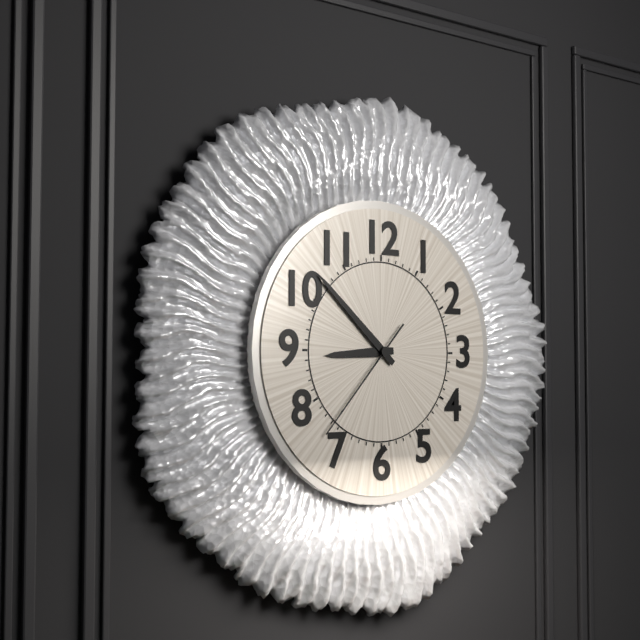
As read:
8,52,37
